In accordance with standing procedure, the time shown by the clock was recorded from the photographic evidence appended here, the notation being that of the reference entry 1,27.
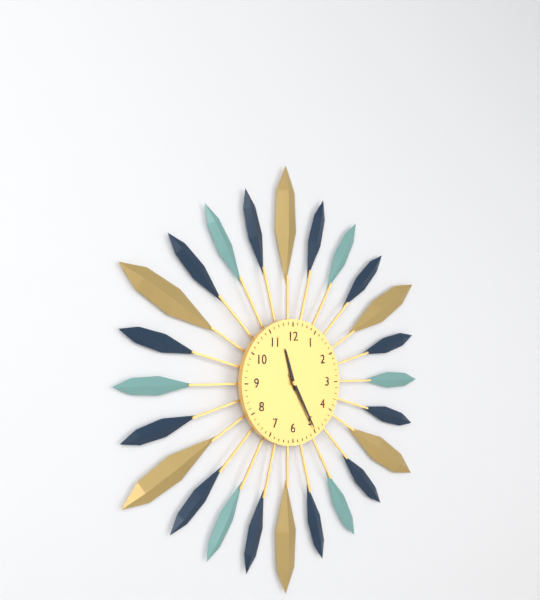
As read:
11,25
